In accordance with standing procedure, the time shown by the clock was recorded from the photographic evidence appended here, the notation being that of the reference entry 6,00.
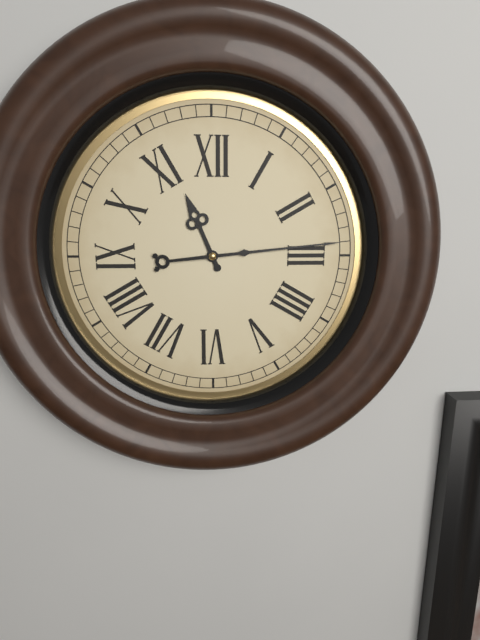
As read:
11,14
